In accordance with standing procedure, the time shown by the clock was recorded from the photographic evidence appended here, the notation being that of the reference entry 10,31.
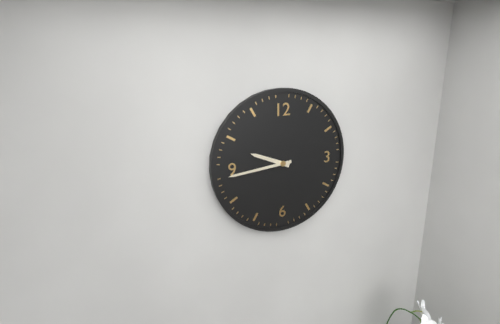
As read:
9,44
